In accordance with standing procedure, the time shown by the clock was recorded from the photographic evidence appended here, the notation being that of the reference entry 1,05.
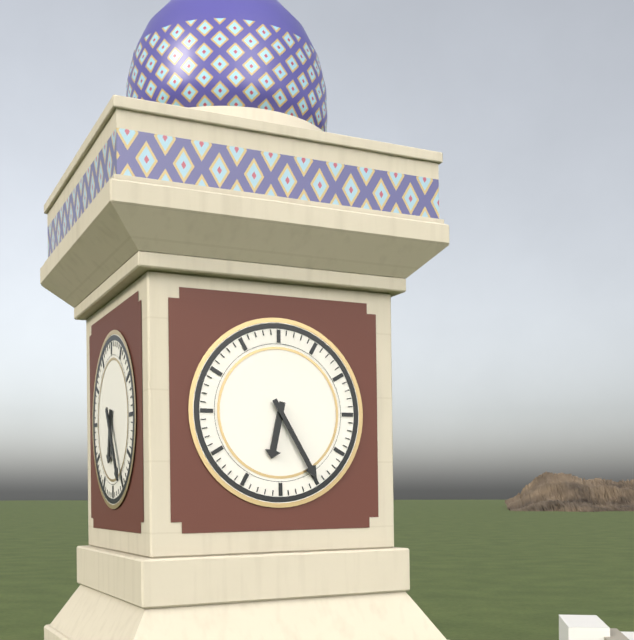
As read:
6,25
